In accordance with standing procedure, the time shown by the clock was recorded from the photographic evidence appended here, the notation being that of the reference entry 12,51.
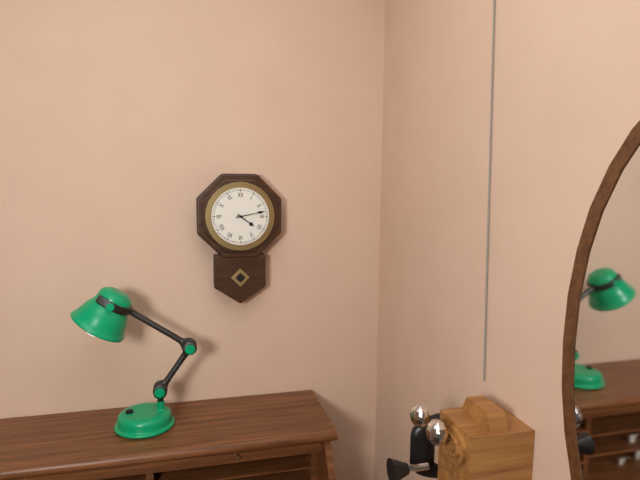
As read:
4,13
